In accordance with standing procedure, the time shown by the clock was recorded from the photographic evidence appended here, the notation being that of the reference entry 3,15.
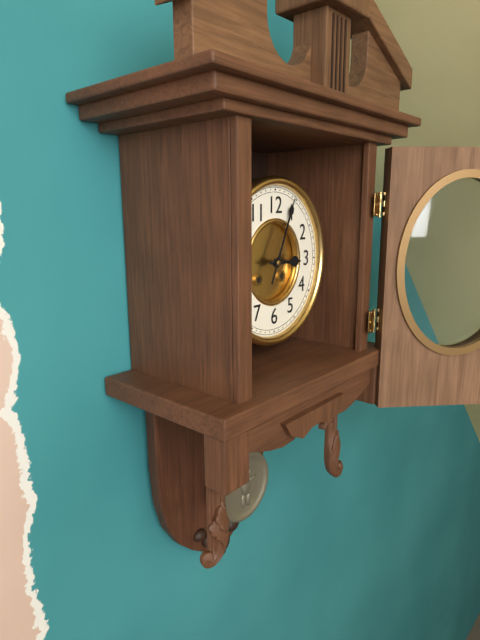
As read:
3,04
